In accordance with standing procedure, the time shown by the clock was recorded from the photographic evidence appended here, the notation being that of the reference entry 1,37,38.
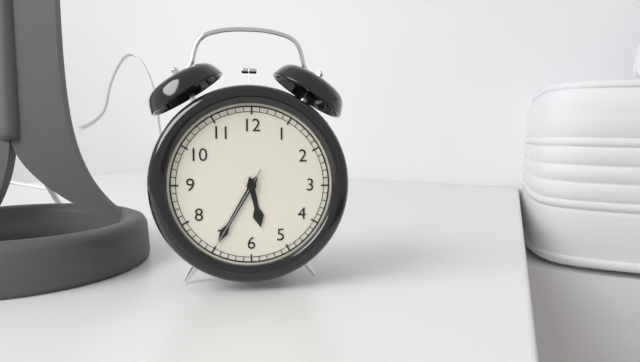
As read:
5,35,35
